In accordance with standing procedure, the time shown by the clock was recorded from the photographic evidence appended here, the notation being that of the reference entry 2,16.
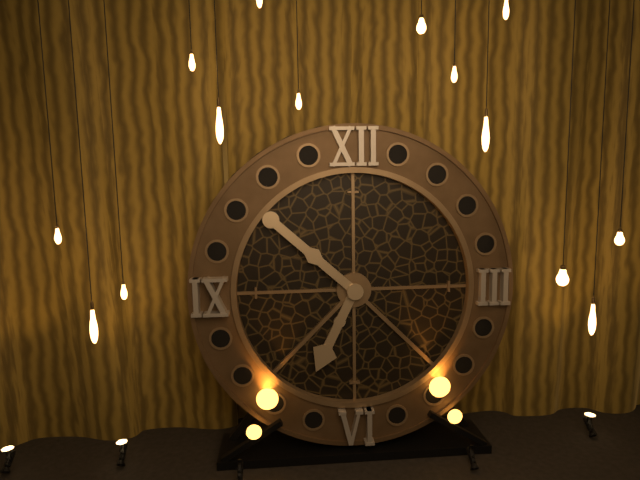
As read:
6,52
